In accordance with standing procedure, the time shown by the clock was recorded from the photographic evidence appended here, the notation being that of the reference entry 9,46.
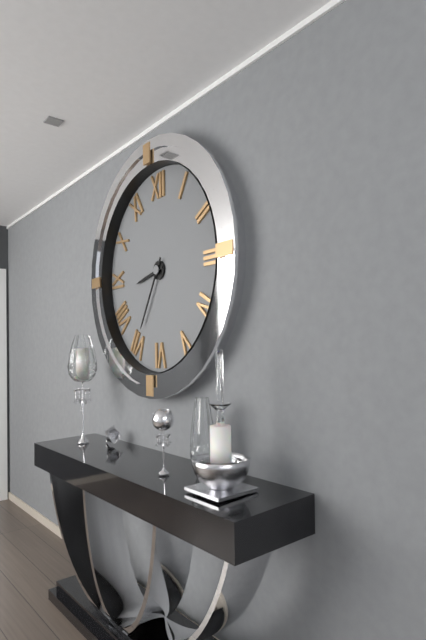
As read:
8,35
